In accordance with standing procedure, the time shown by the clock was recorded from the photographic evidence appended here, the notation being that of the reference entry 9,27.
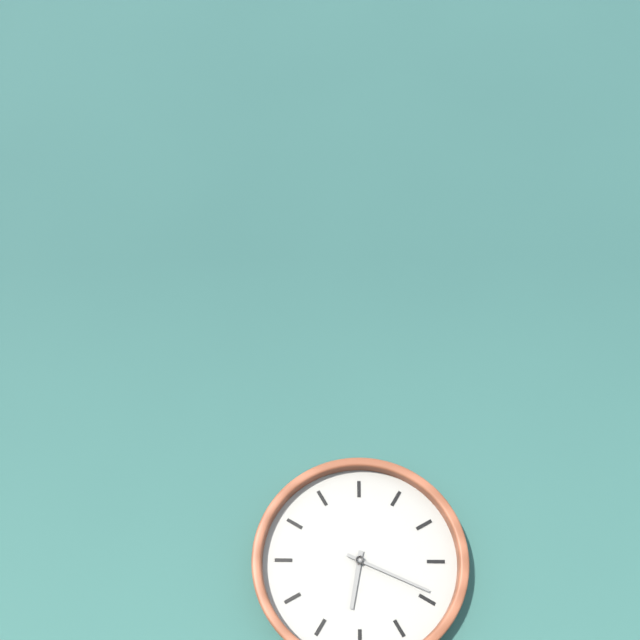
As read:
6,19
